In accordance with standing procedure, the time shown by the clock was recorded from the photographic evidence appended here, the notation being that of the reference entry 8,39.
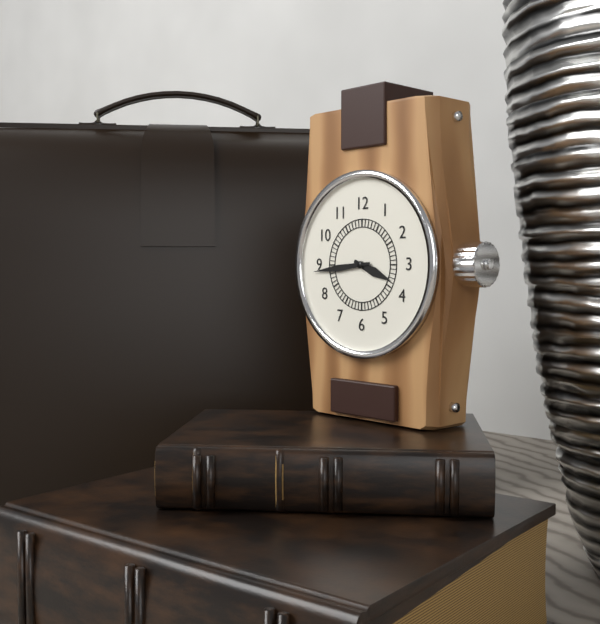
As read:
3,44
